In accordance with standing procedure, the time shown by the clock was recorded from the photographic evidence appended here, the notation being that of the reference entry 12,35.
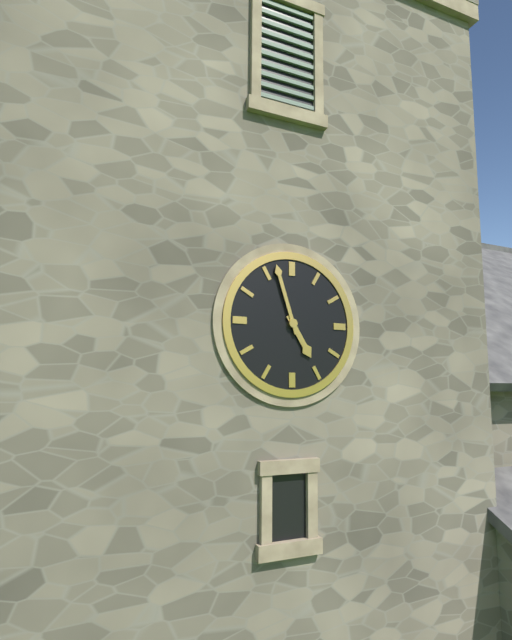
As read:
4,57
